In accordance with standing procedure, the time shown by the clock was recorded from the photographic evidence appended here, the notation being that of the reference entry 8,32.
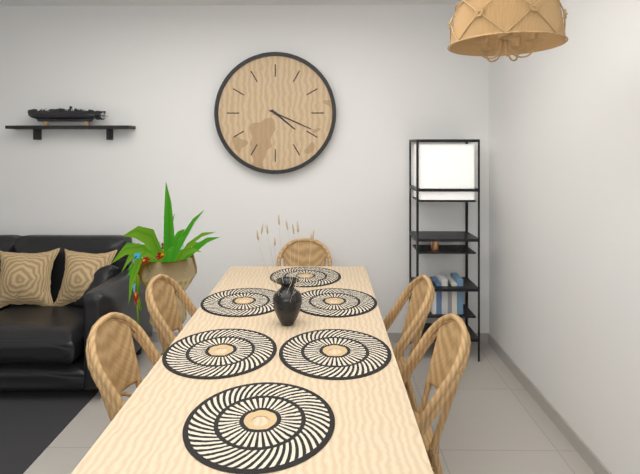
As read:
4,19
